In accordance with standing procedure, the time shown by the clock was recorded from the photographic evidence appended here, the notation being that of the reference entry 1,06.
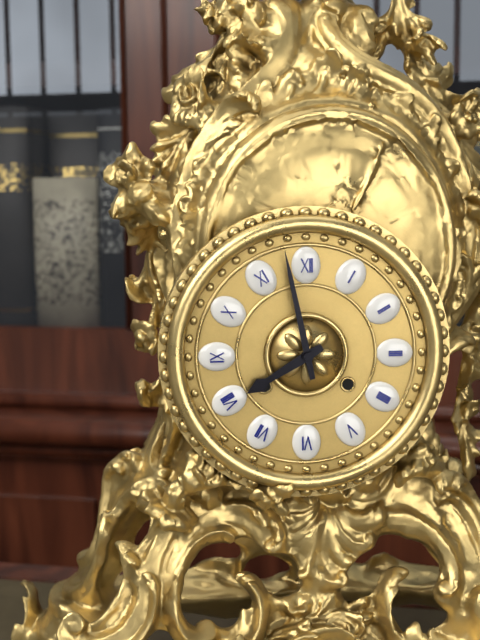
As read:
7,58
